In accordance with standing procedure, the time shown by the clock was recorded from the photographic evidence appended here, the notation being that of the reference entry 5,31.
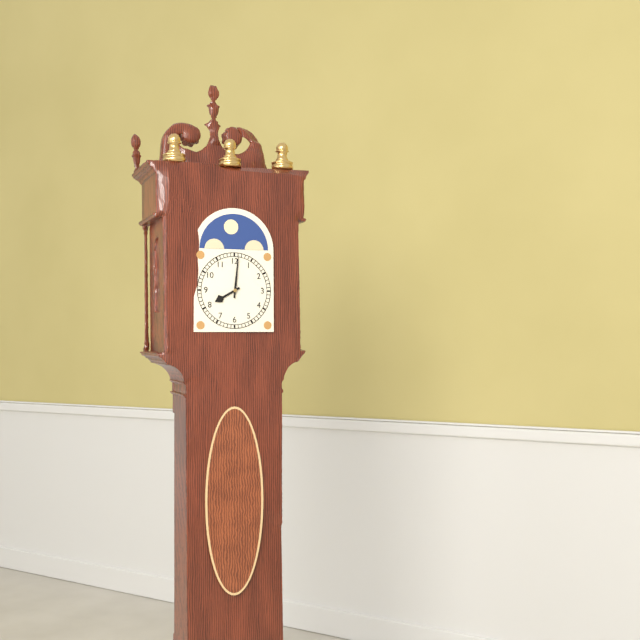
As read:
8,01
